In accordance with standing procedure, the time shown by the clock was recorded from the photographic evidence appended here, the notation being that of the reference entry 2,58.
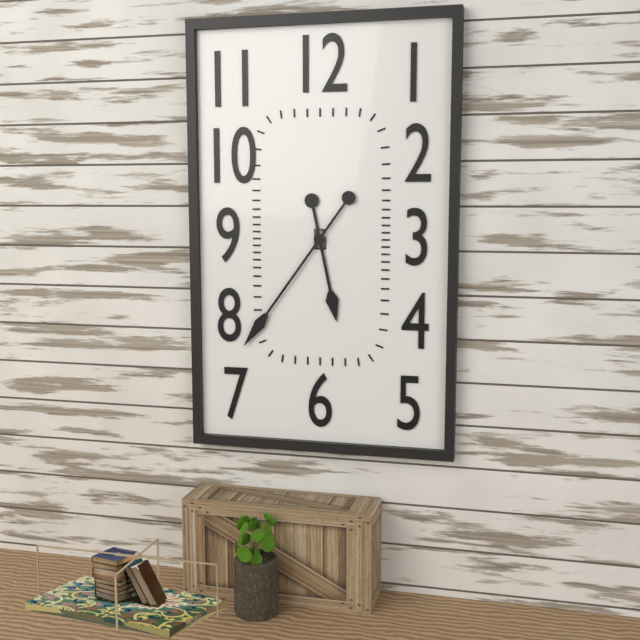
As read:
5,36
